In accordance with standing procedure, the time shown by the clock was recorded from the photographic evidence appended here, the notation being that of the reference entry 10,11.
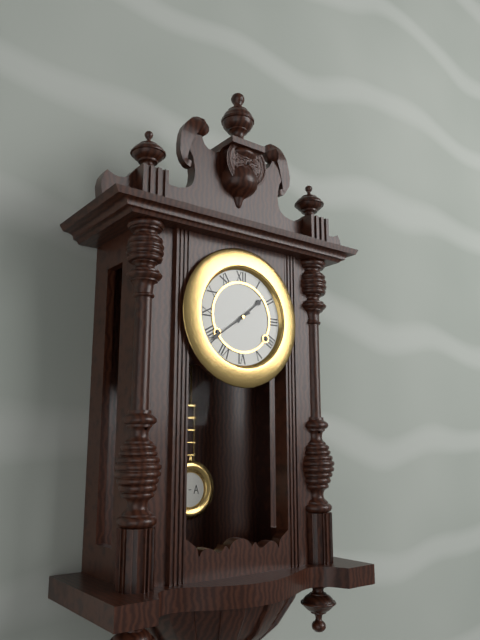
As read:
1,39
